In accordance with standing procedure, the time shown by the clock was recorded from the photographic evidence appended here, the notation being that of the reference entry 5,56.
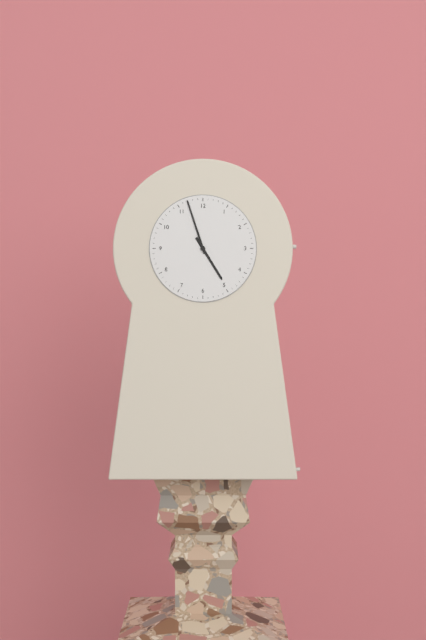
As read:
4,57
